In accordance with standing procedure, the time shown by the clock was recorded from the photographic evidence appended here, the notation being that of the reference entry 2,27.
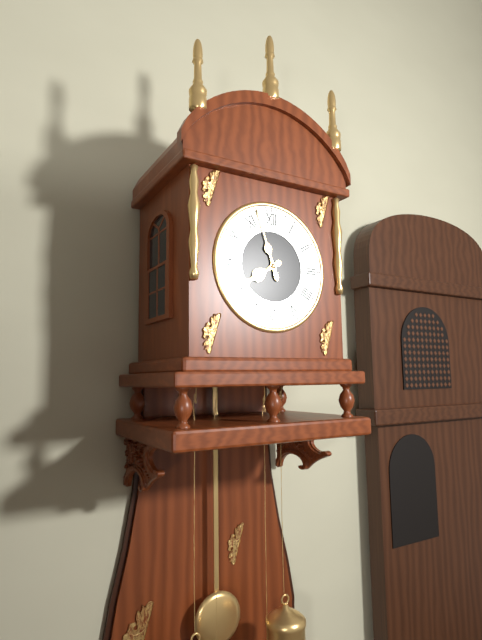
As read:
7,57
